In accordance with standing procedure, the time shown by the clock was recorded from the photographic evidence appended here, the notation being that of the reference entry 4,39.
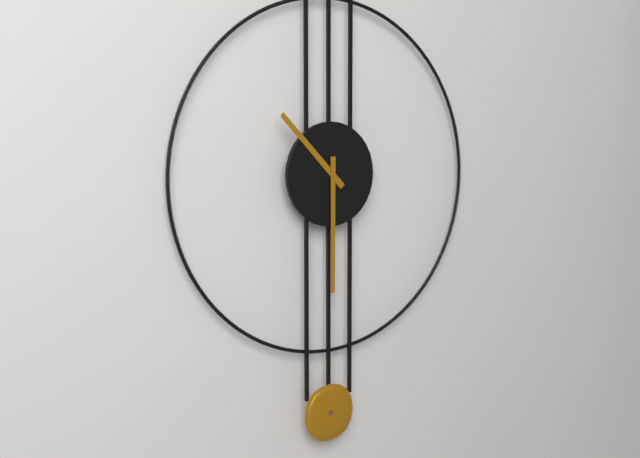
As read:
10,30
